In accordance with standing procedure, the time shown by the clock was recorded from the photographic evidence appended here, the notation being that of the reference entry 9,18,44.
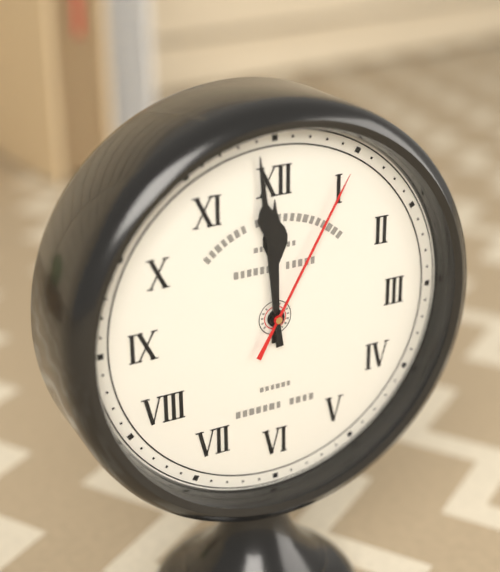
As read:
11,59,05
